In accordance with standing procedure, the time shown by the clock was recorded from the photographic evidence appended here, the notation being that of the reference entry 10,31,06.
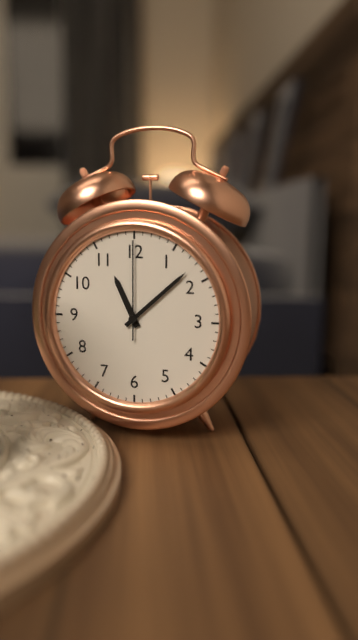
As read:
11,08,00
